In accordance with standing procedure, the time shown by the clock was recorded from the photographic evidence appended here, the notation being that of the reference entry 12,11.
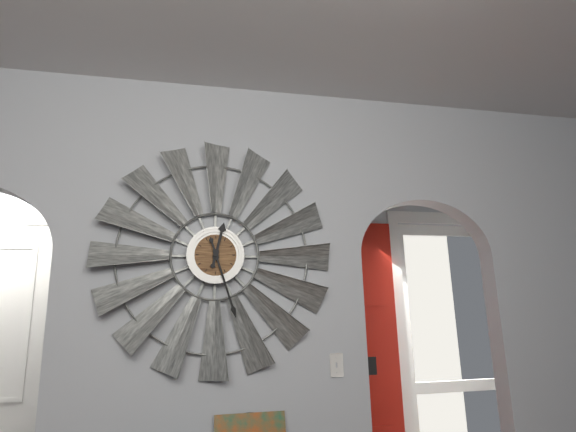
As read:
12,27
